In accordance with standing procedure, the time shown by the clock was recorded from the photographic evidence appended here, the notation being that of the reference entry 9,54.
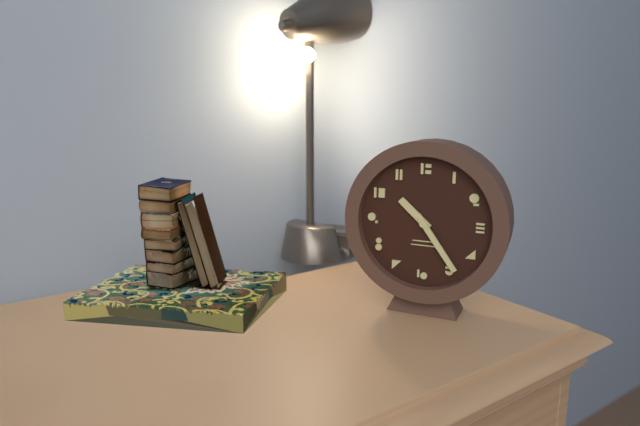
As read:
10,24
